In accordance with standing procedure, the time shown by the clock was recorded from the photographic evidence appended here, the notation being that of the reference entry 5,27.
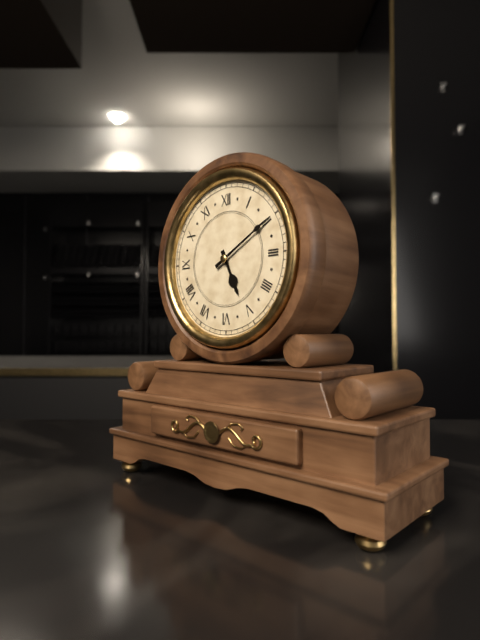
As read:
5,10
